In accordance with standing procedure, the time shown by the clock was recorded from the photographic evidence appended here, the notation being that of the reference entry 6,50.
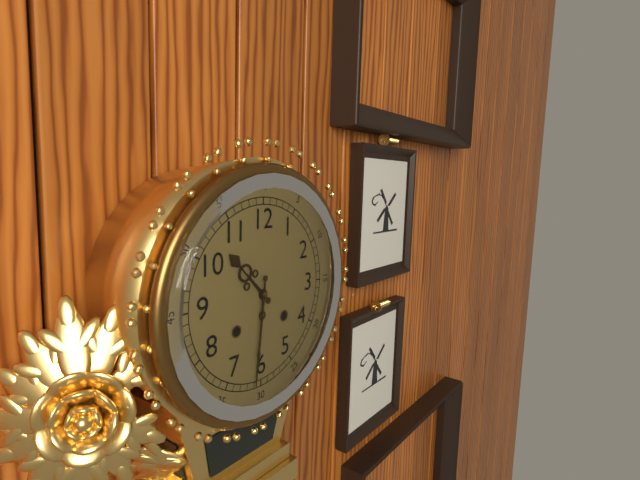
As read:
10,31
